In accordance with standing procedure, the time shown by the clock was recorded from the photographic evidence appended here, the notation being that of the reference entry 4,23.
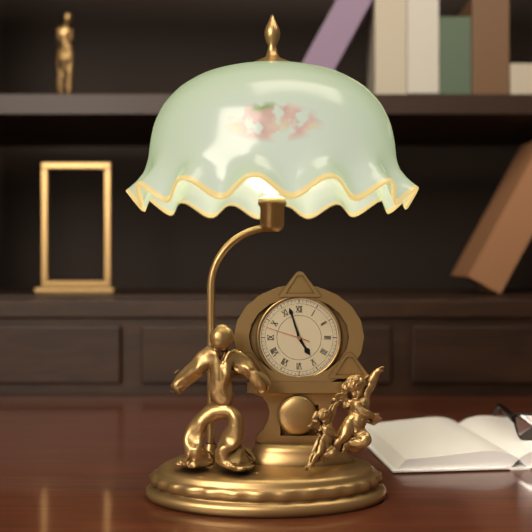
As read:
4,57
